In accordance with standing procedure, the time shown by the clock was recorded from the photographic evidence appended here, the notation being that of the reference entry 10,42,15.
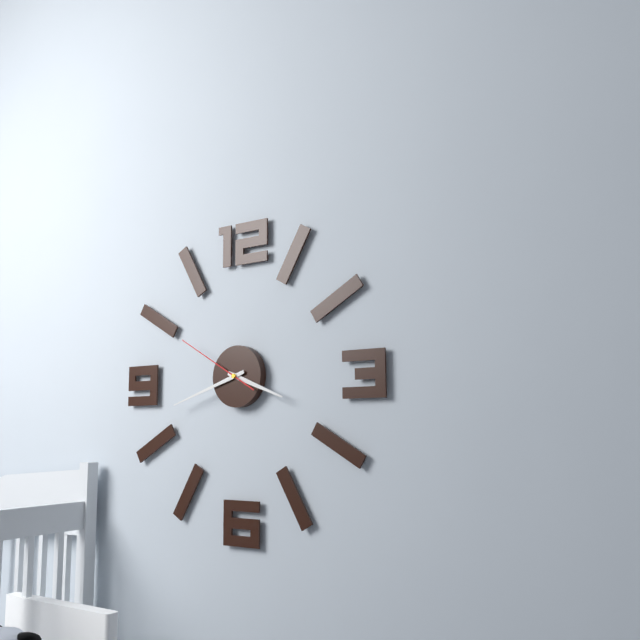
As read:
3,42,50
